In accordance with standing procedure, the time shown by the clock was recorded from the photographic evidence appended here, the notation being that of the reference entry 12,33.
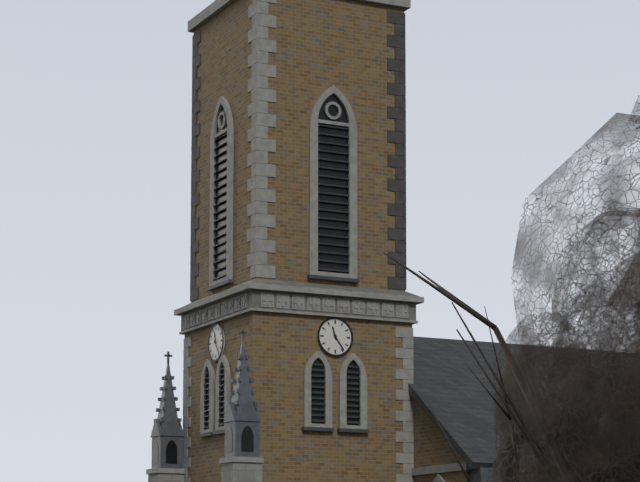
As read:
11,24
